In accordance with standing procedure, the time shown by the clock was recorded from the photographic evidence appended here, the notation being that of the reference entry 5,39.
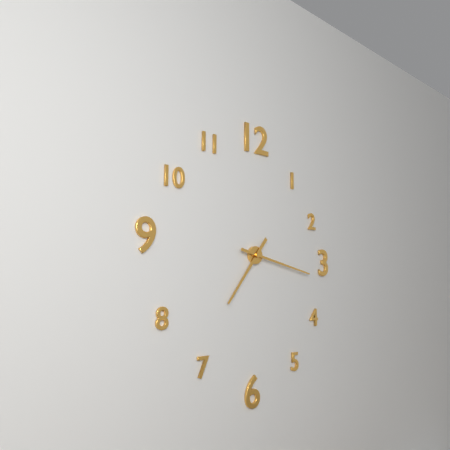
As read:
7,17
